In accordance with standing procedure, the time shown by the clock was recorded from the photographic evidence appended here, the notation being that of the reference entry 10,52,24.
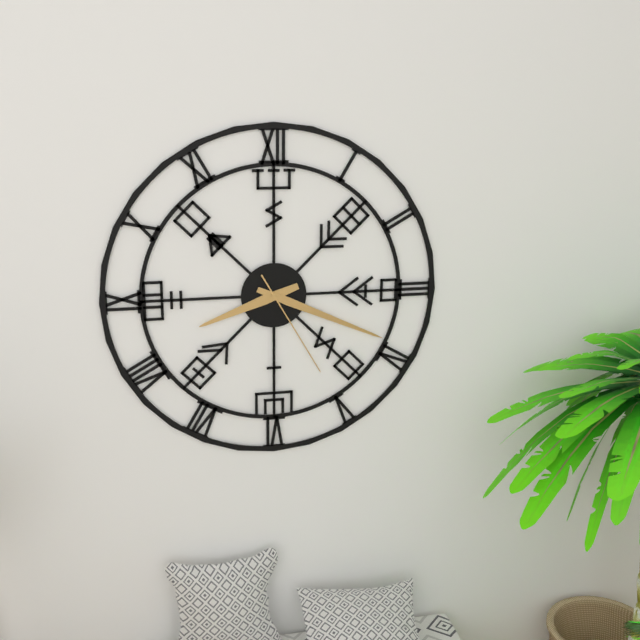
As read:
8,19,25
